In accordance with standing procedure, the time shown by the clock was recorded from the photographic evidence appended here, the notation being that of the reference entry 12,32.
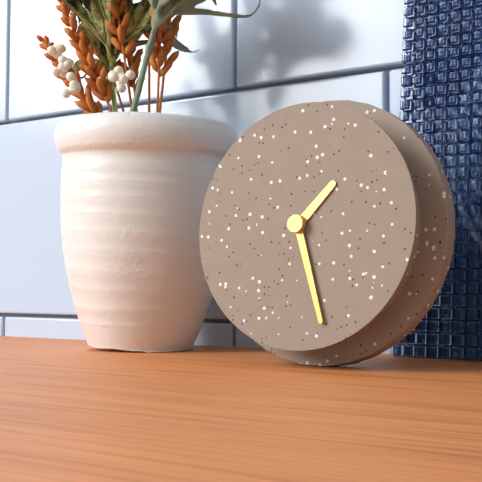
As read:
1,27
